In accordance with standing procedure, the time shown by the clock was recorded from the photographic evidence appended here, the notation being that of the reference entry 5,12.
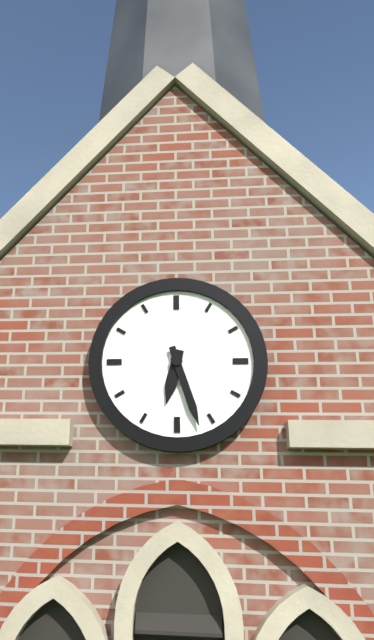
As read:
6,27
